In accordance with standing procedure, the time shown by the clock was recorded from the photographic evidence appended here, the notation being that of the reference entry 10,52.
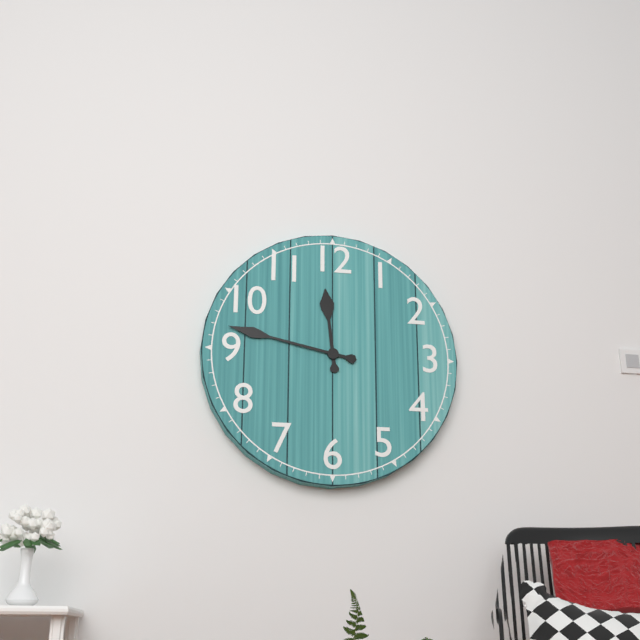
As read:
11,47
